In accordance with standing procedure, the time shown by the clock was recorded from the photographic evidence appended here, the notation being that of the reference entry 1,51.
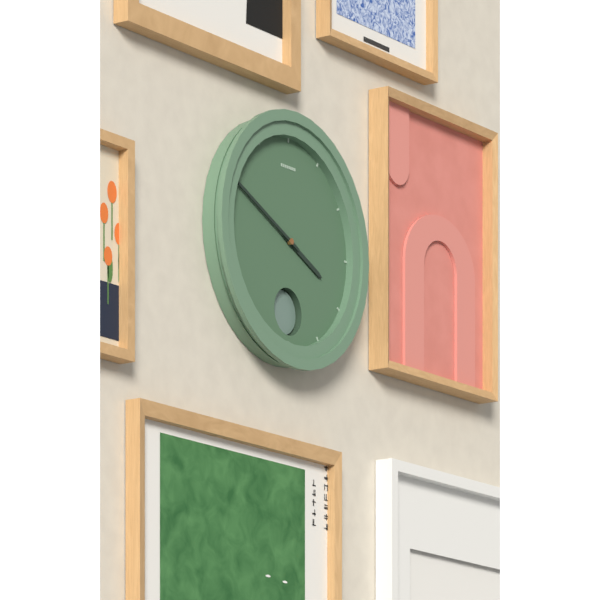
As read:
3,49
